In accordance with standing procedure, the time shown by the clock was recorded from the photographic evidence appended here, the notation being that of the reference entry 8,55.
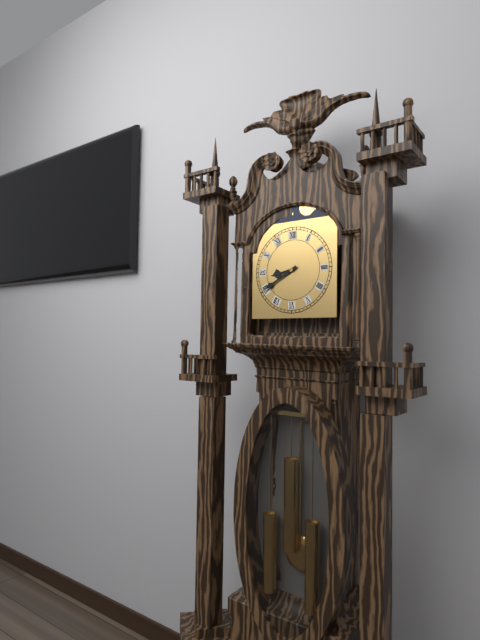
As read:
8,40
